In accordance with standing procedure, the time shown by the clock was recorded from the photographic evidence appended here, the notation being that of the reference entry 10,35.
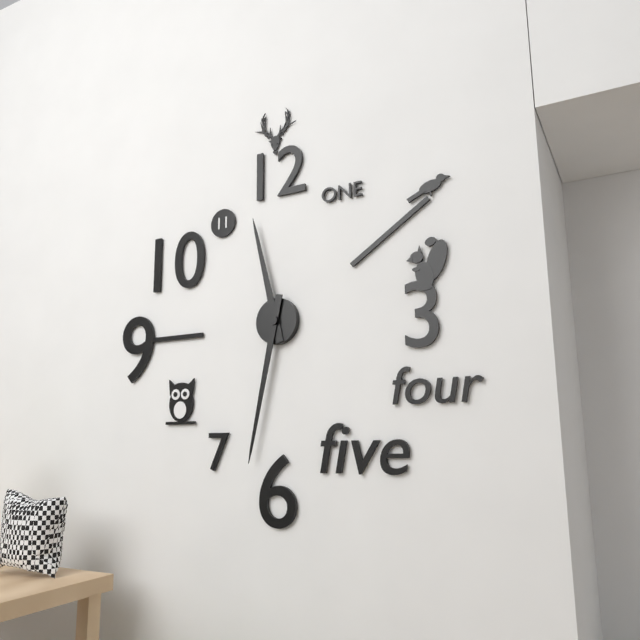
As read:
11,32
